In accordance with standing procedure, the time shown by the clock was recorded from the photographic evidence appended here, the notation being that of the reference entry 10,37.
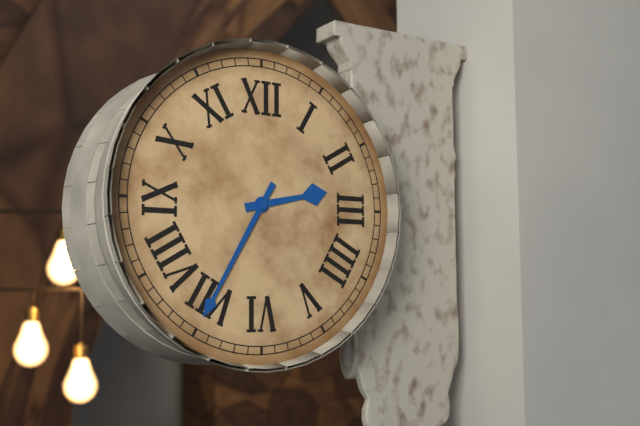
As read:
2,35
